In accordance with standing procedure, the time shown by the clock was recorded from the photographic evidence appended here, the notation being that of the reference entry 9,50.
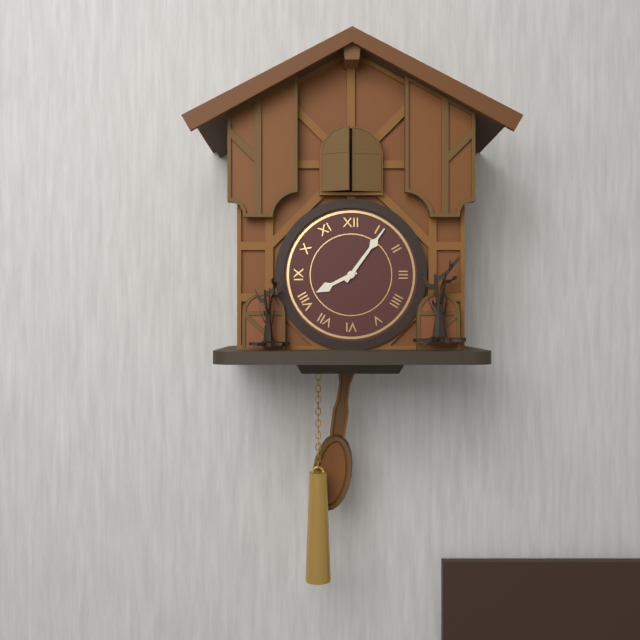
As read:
8,06
